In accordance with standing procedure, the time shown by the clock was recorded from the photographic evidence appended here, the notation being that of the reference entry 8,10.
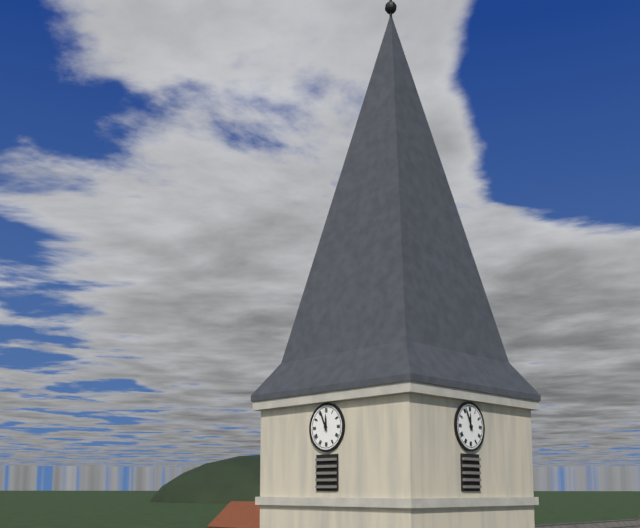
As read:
11,56
